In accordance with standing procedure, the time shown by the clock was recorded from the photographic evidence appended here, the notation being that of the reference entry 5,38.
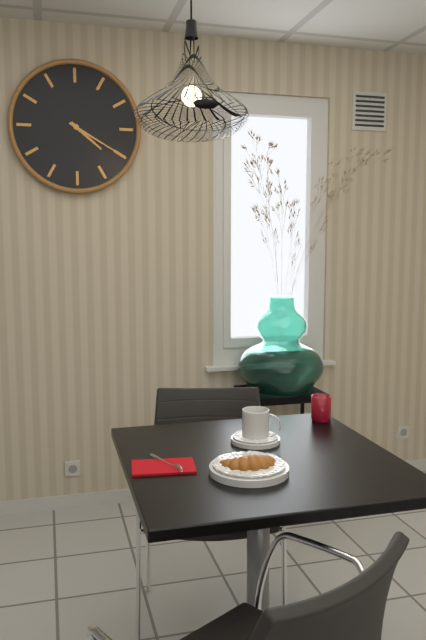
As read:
4,20
